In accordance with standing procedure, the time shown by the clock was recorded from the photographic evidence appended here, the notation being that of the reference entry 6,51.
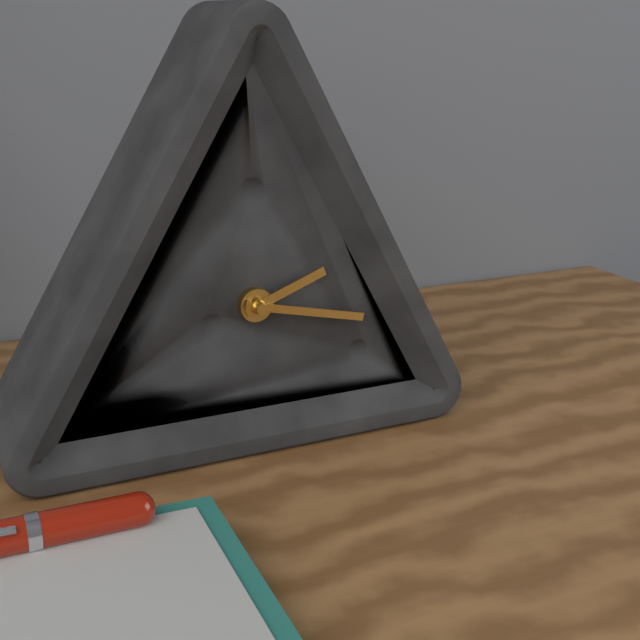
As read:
2,17
